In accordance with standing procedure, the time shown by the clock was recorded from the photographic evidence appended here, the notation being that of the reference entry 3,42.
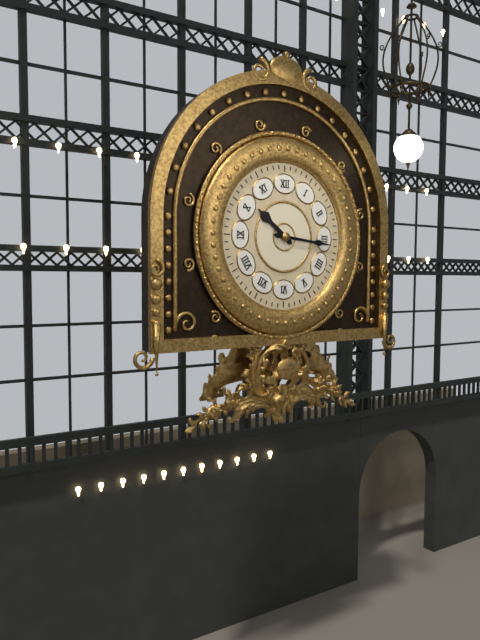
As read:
10,16
